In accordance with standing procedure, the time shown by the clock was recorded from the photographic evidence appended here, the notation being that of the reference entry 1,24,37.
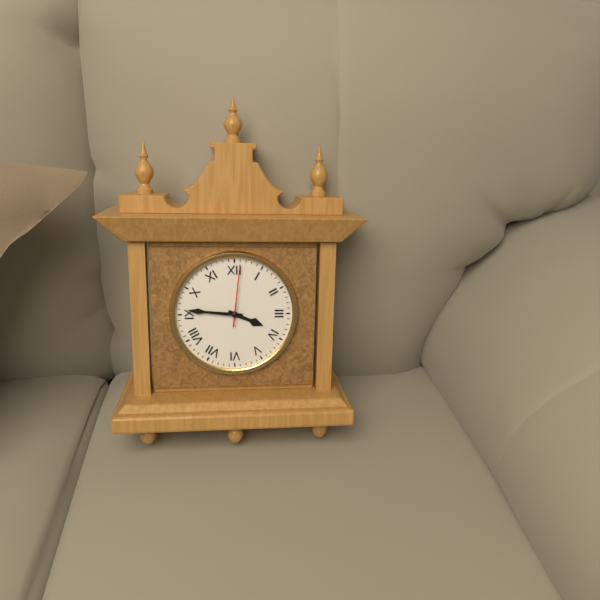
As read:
3,46,01
